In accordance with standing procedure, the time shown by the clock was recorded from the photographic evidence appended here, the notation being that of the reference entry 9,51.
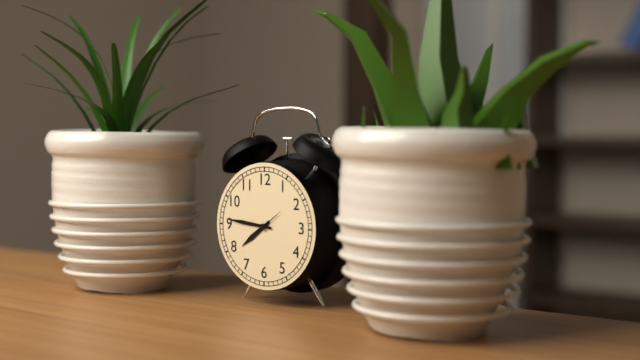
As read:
7,46
